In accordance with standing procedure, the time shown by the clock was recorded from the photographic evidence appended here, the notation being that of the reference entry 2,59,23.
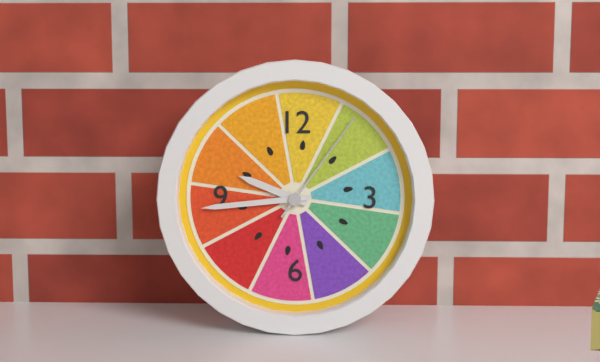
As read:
9,44,06
